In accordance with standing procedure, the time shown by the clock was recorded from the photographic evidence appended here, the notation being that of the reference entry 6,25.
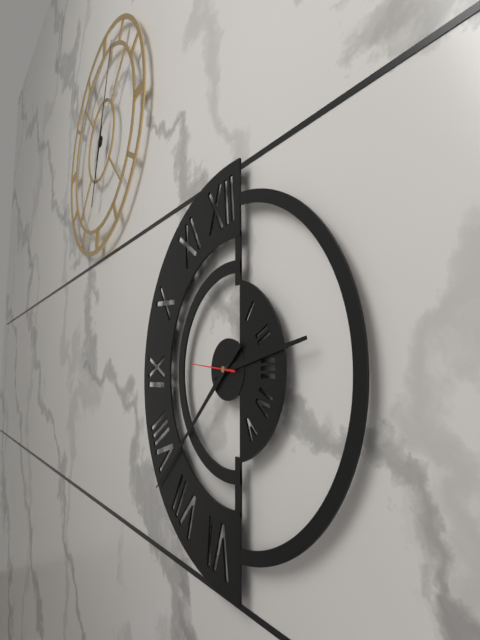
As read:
2,38
